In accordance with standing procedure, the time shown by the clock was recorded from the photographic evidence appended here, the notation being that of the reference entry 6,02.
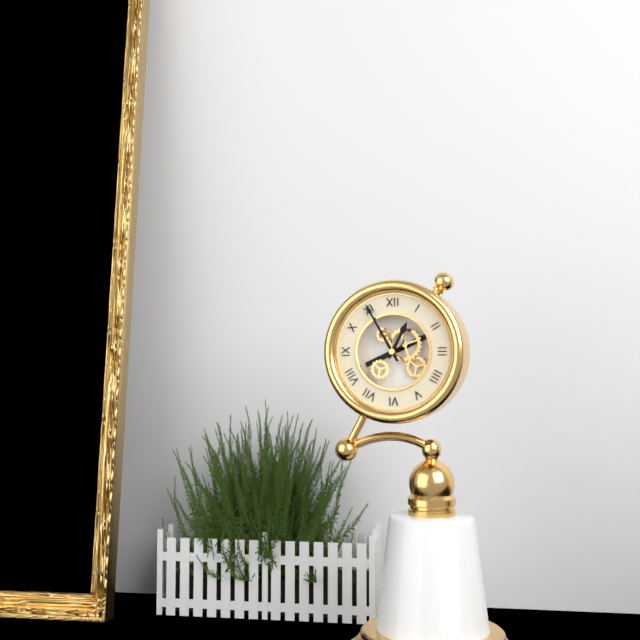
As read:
12,55
